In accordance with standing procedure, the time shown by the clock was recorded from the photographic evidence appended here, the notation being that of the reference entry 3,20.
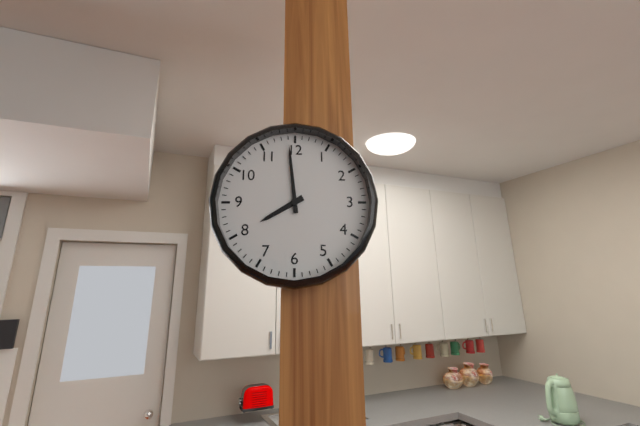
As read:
7,59
